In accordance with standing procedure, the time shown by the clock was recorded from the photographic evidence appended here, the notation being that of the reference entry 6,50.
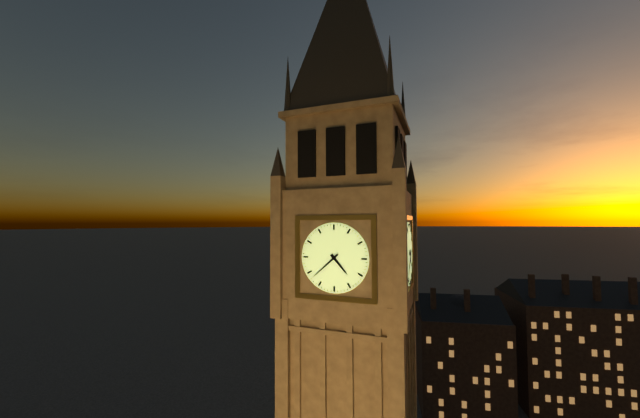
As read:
4,38
